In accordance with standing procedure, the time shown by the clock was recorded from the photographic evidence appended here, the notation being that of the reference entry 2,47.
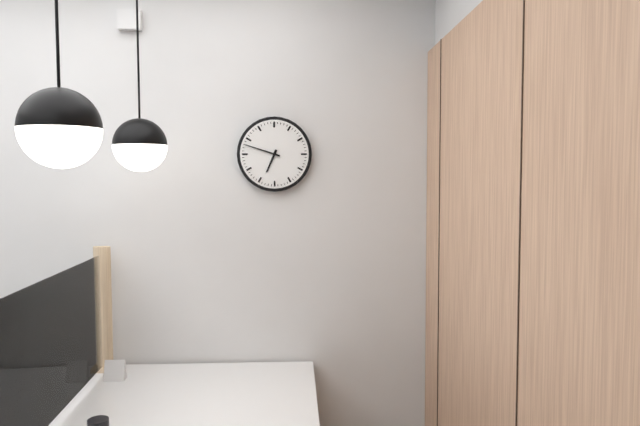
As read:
6,48
